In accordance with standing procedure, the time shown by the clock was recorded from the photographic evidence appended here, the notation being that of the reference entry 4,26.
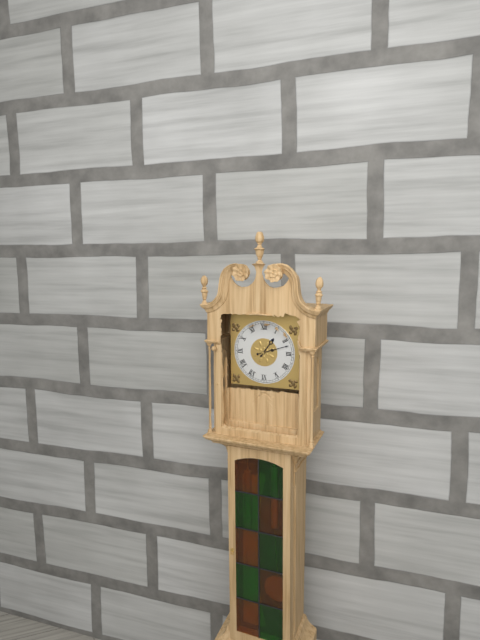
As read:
1,12
